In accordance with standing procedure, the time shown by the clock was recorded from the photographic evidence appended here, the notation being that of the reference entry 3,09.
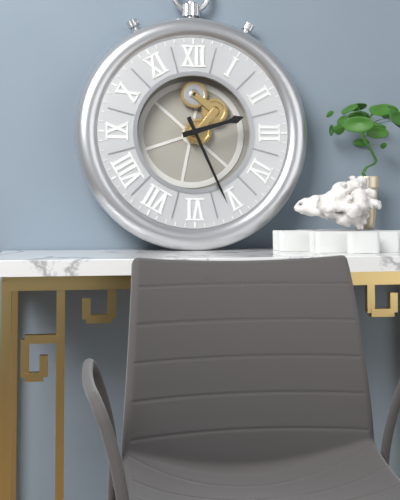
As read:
2,26
